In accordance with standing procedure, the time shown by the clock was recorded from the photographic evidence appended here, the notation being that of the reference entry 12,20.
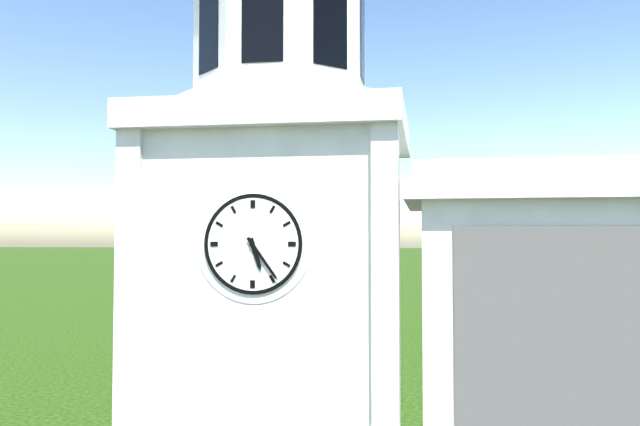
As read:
5,24
